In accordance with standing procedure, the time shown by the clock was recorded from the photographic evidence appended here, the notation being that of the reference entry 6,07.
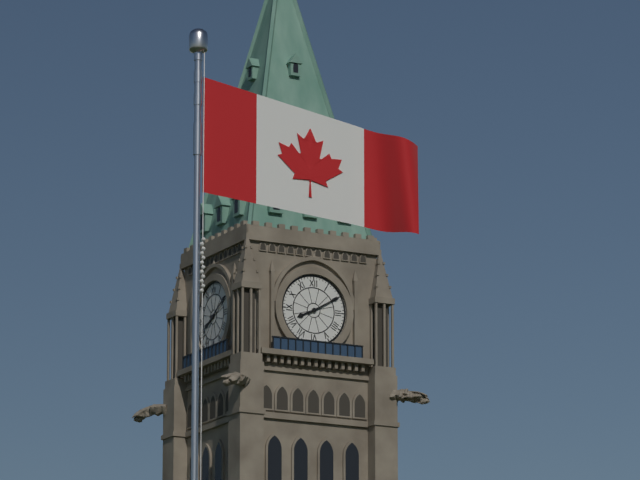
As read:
8,10
